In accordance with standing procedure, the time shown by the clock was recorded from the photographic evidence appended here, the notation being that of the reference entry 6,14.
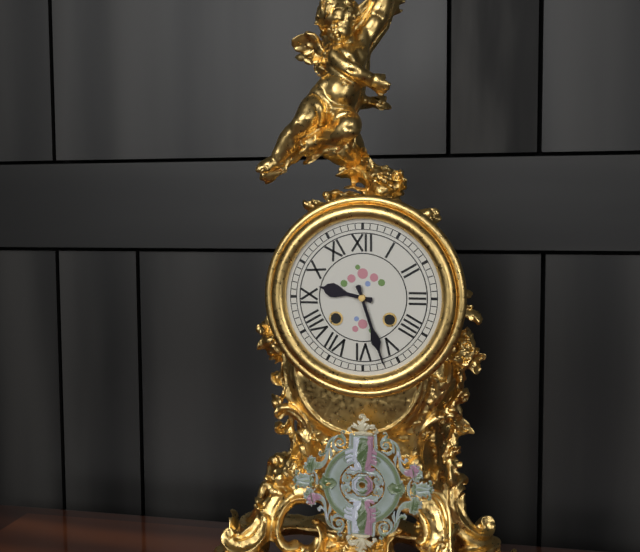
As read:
9,27
